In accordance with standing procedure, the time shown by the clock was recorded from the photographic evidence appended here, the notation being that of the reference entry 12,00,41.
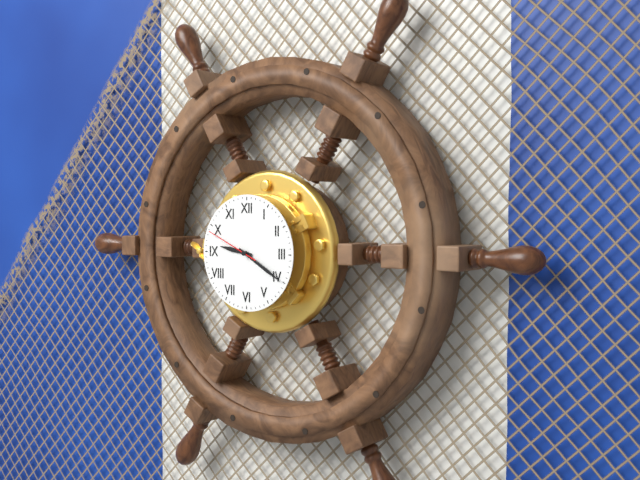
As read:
9,20,49
